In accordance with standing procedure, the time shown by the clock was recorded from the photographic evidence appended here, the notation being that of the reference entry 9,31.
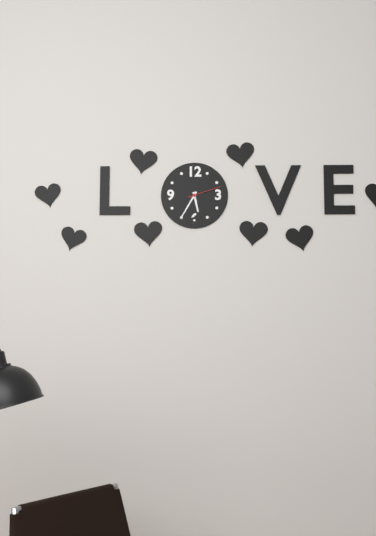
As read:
5,35
